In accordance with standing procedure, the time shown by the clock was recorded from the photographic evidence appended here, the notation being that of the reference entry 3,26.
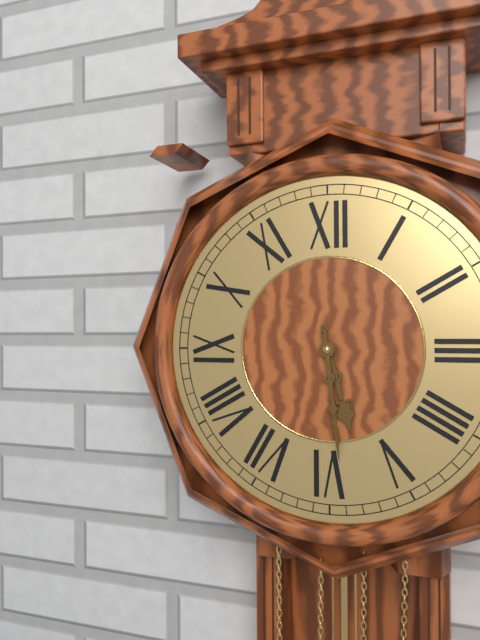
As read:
5,29
